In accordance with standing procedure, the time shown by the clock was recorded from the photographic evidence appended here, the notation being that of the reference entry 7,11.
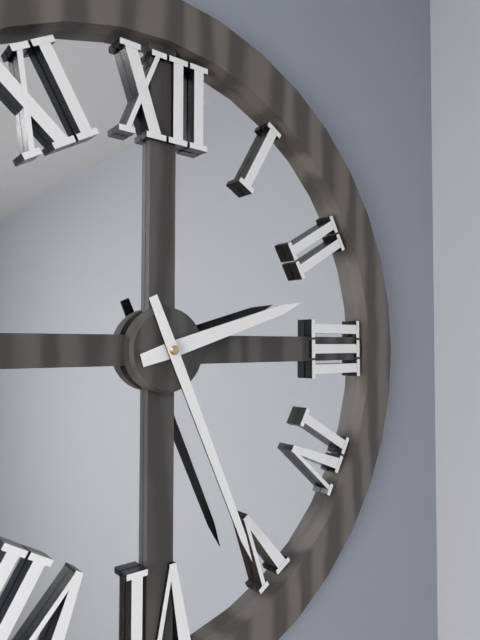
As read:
2,26
